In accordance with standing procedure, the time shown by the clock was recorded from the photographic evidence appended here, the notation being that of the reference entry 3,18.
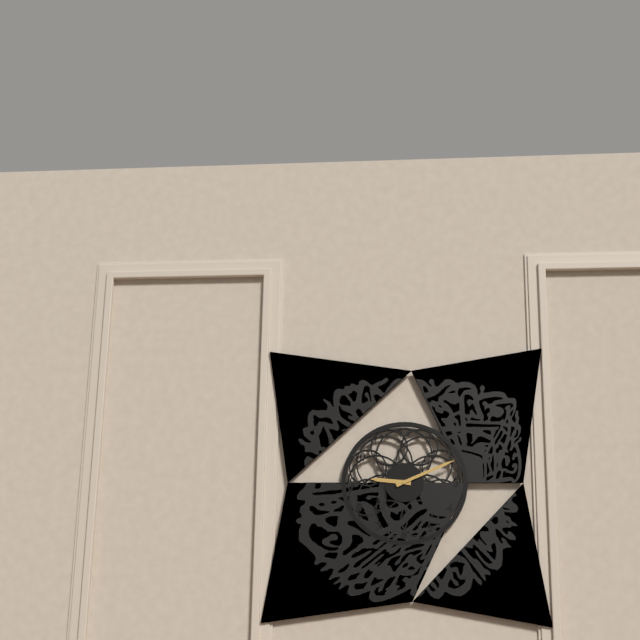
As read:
9,11
